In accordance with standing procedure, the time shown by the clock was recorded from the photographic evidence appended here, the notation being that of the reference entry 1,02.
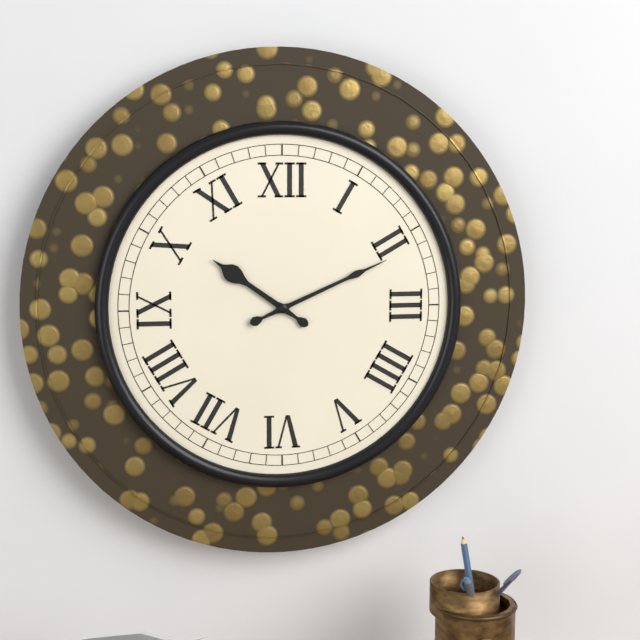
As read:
10,11
